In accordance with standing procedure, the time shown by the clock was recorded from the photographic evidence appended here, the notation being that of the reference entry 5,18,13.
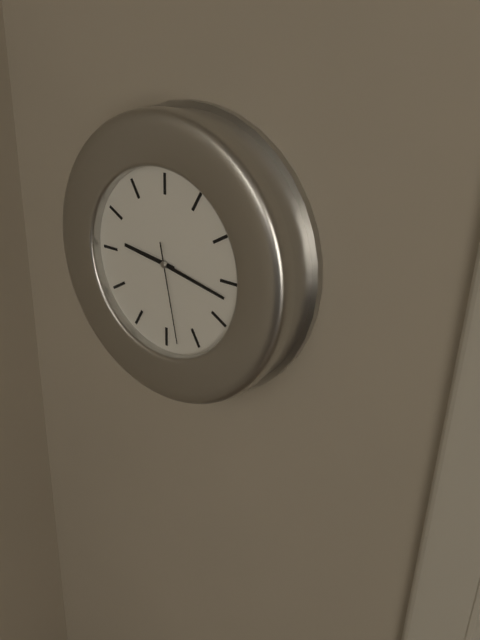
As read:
9,17,28
